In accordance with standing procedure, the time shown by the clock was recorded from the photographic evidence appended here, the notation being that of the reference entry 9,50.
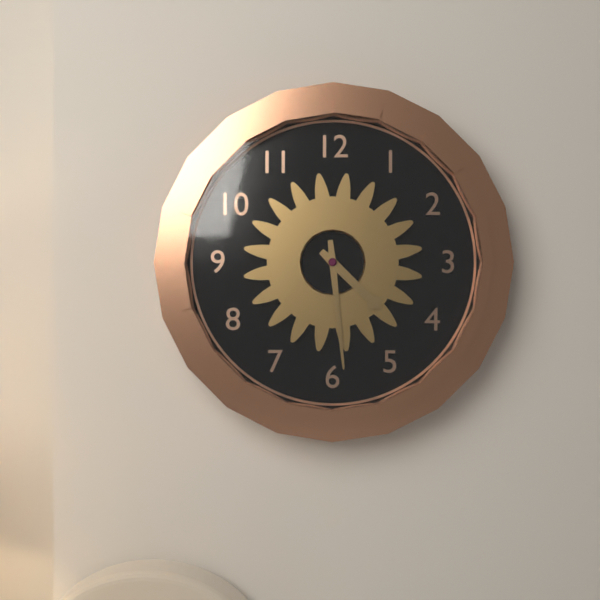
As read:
4,29
